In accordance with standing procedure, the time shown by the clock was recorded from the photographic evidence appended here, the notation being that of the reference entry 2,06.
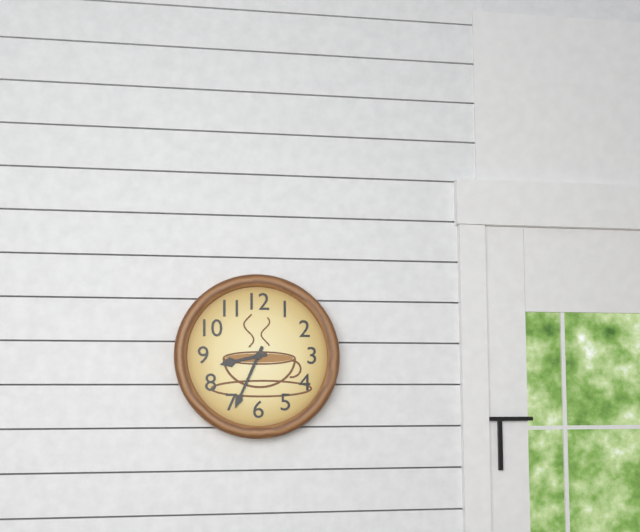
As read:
8,34
